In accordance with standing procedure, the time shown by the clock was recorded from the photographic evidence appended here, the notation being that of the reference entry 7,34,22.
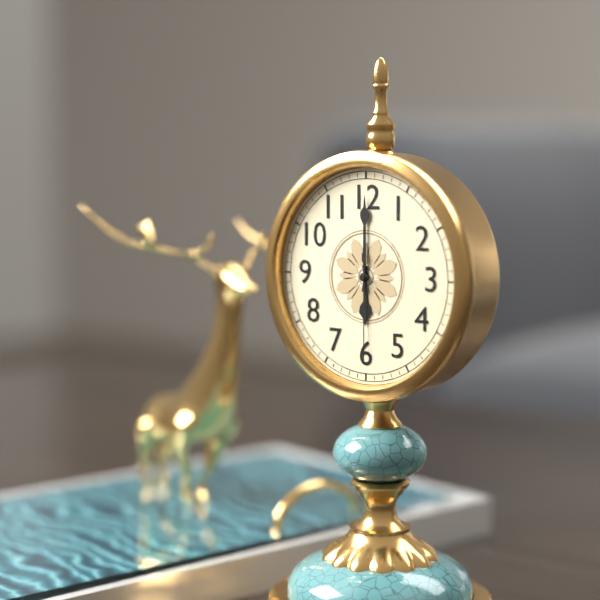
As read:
6,00,30
